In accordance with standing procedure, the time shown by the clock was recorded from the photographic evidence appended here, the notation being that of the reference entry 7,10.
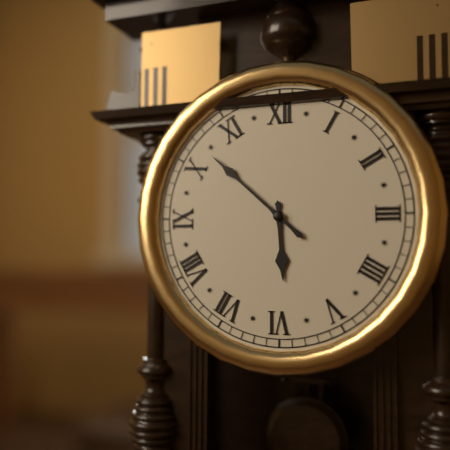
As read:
5,52
